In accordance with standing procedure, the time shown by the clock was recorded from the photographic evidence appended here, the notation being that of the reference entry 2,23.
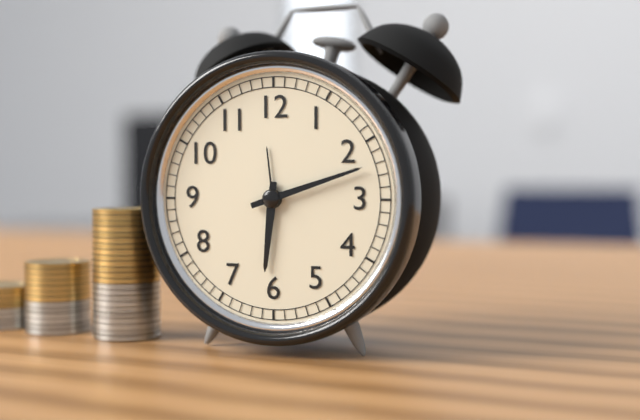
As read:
6,12
